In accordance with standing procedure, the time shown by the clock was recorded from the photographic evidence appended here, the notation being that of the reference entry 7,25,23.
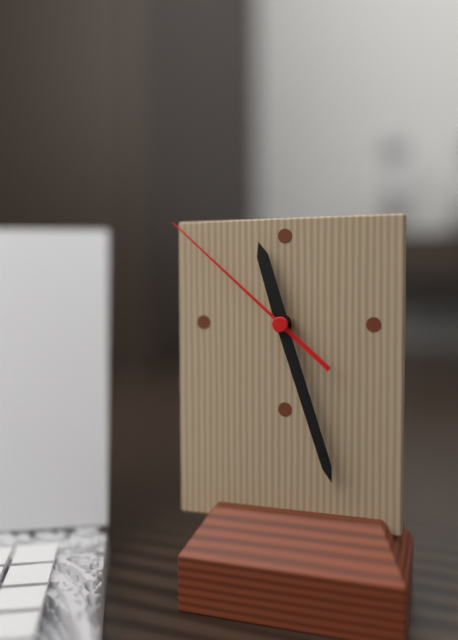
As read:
11,27,52
